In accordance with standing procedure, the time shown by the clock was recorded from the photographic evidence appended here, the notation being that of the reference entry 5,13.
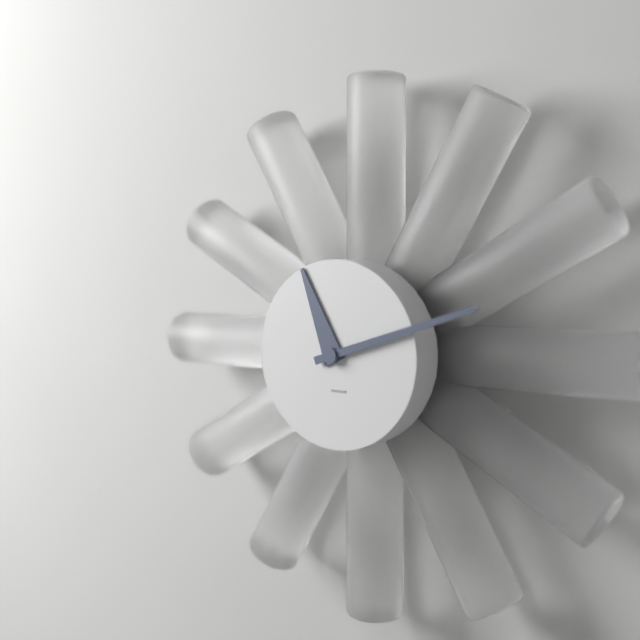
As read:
11,12
